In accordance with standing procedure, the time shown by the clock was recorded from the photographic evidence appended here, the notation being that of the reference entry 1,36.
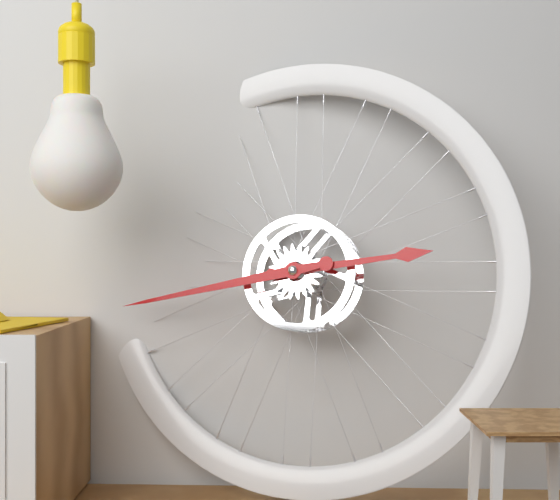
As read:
2,43
